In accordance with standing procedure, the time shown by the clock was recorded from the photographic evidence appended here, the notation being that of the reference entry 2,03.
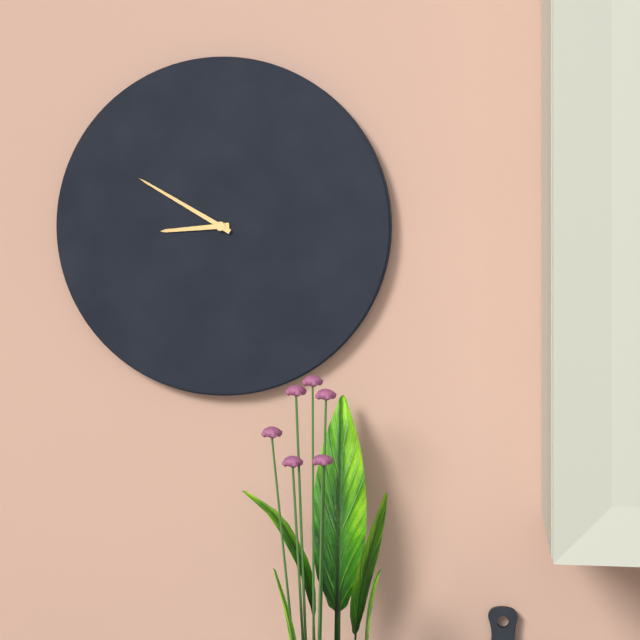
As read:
8,50
